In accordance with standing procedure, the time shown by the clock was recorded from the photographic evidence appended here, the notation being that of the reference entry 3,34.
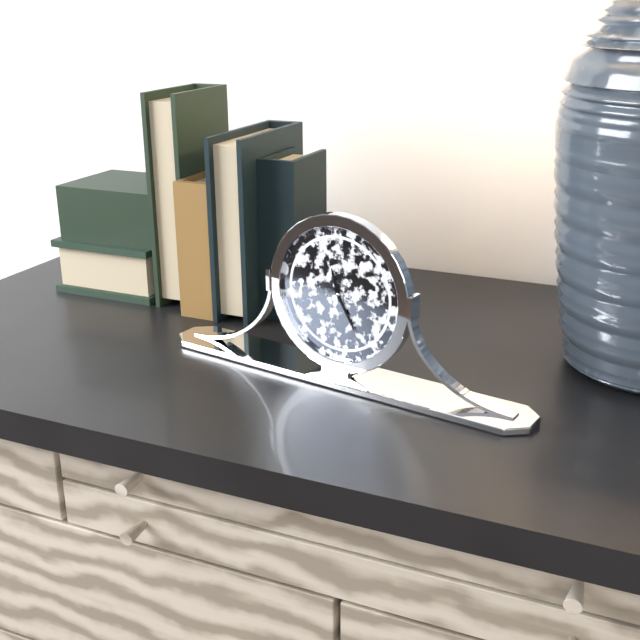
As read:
11,25
